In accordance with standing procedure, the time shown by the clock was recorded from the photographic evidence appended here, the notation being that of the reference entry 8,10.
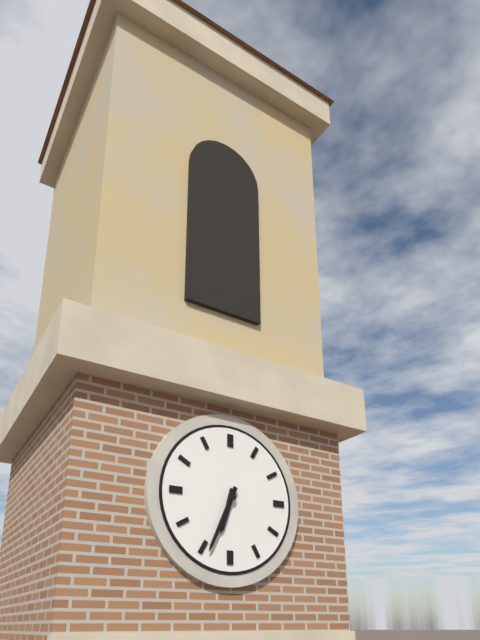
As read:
6,34
